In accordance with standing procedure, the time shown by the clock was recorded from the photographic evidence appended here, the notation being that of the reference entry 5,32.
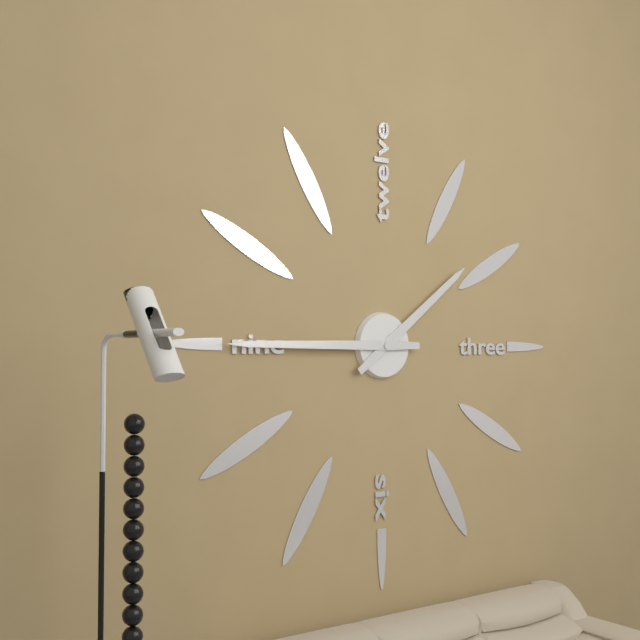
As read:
1,45
